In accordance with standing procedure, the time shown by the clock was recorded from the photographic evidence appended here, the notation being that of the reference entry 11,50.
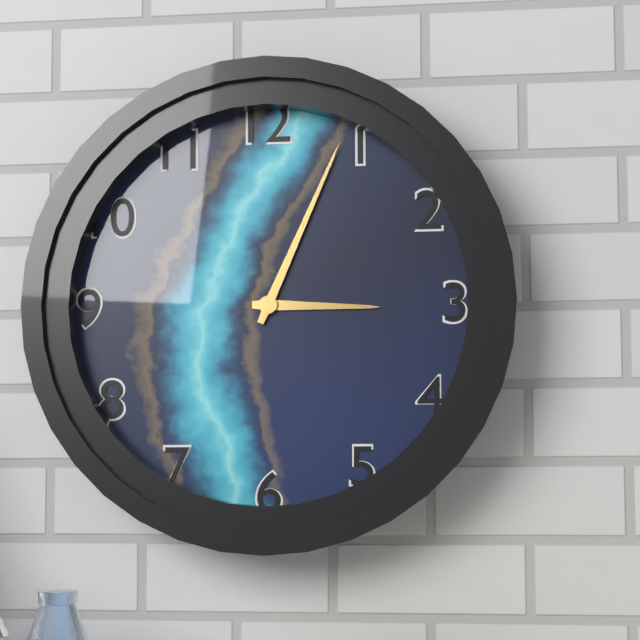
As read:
3,04
